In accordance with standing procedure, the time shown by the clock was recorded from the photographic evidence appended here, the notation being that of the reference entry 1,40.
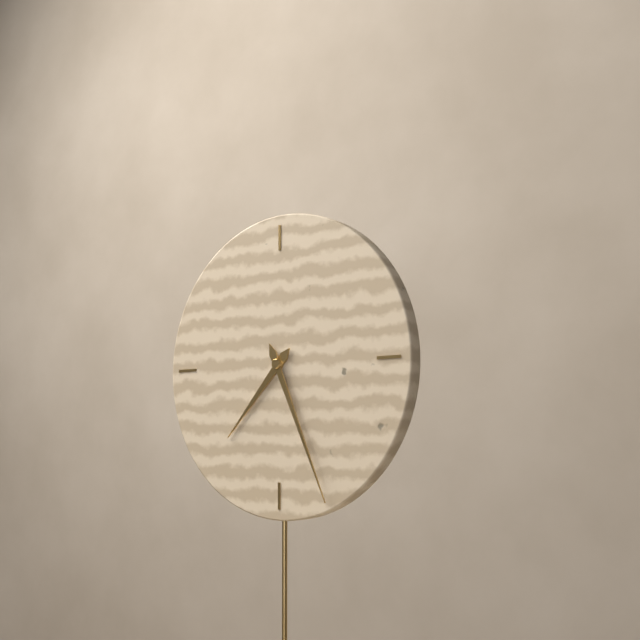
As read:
7,26
